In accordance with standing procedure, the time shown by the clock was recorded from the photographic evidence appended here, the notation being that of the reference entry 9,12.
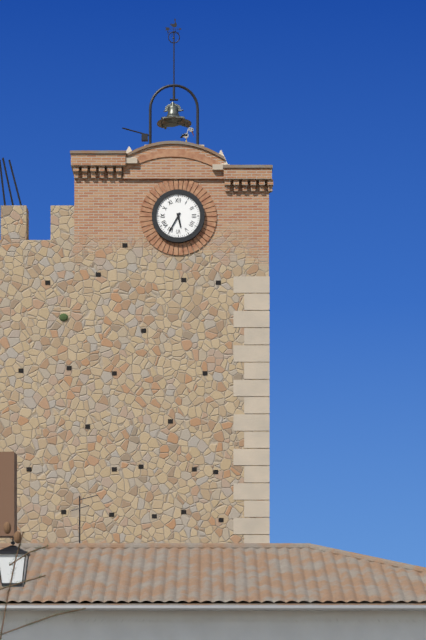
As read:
5,35
